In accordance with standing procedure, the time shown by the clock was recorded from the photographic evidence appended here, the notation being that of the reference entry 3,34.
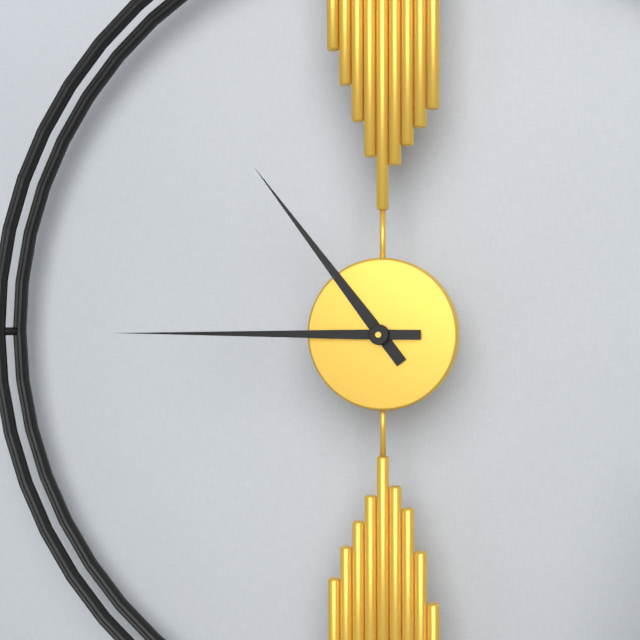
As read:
10,45
